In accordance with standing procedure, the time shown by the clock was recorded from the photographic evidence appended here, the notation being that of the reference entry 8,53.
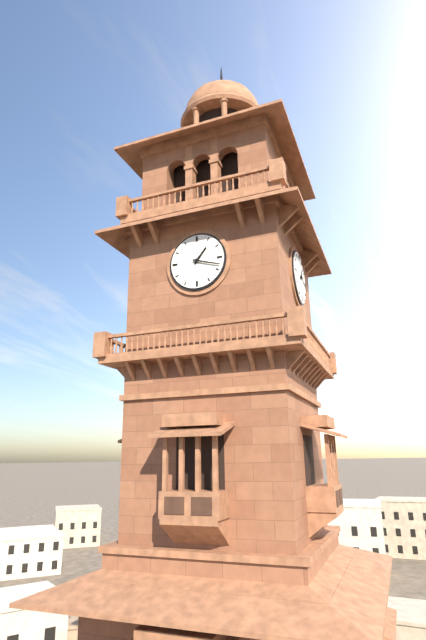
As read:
1,18
